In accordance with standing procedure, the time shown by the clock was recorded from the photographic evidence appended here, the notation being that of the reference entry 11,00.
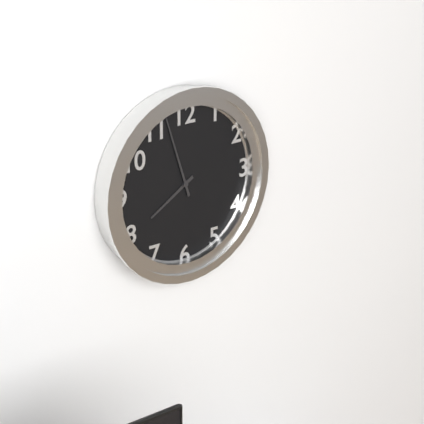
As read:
7,57
